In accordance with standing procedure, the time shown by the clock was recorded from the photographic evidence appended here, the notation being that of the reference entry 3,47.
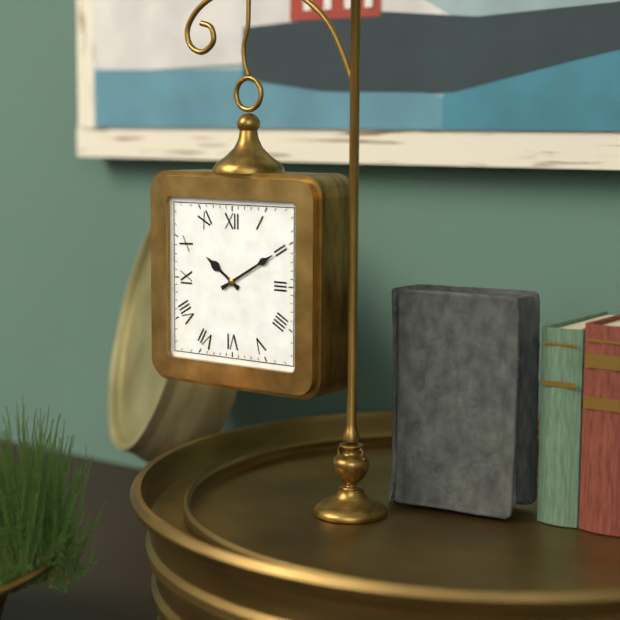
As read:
10,10
